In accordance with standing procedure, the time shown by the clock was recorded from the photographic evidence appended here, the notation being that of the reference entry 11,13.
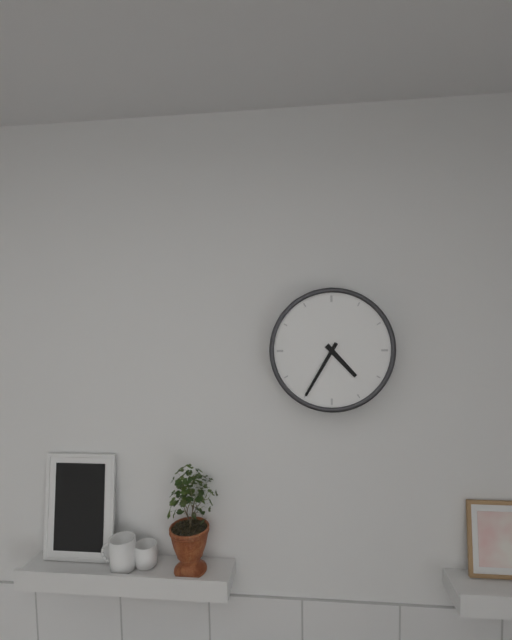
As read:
4,35
